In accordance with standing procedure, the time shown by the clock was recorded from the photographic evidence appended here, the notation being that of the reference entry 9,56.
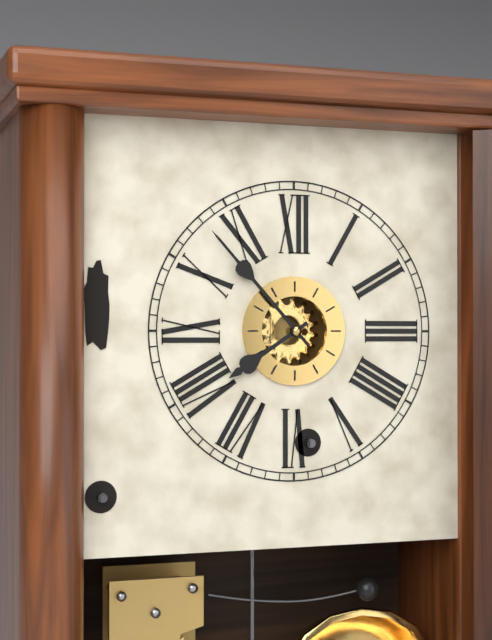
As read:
7,53
